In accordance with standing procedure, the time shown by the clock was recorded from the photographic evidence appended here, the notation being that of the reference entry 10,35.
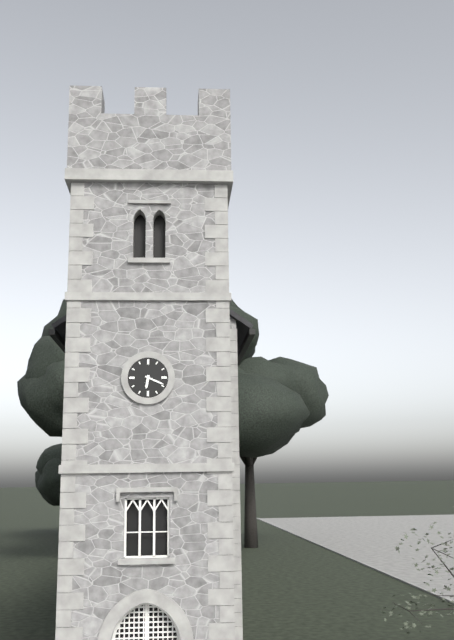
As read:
6,19
